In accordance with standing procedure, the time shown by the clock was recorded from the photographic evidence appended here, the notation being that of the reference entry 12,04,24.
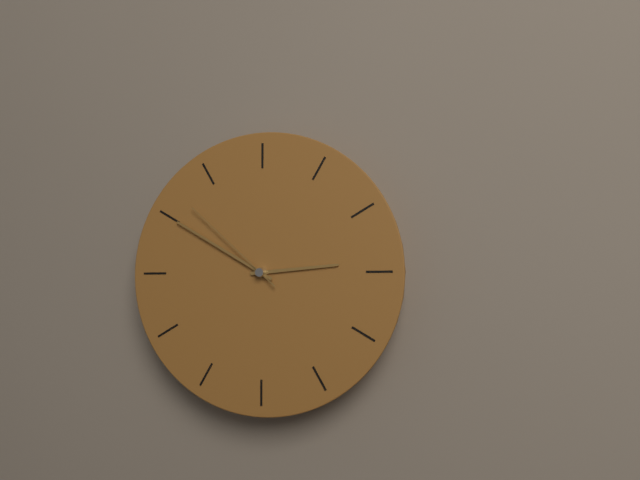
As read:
2,50,52
